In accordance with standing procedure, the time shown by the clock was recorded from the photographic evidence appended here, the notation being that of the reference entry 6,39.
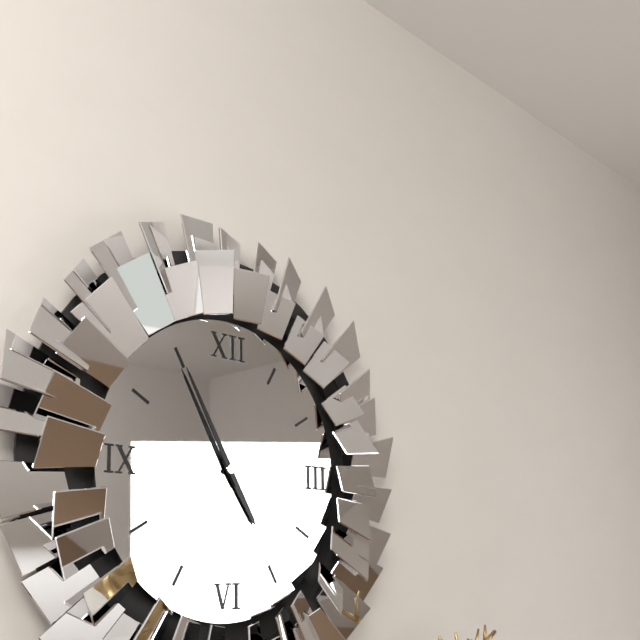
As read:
4,55
